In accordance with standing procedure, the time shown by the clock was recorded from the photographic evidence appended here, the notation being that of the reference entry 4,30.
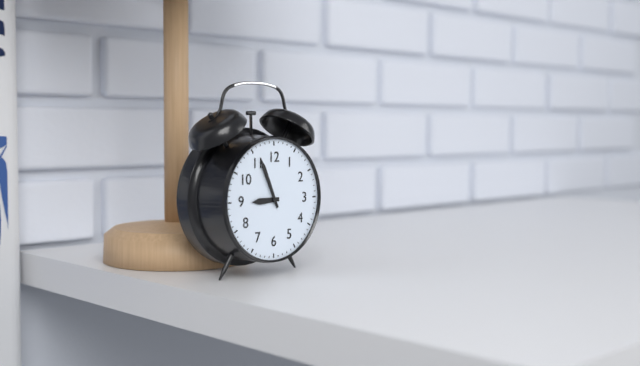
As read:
8,56
